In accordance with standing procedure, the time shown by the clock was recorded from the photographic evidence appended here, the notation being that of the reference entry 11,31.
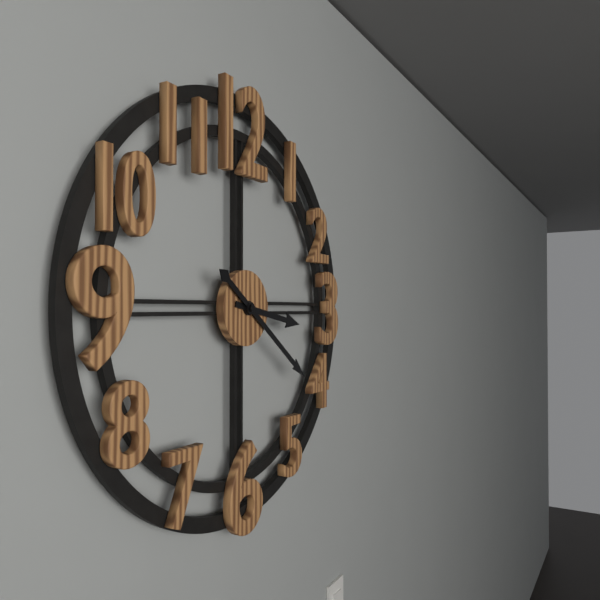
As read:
3,21
